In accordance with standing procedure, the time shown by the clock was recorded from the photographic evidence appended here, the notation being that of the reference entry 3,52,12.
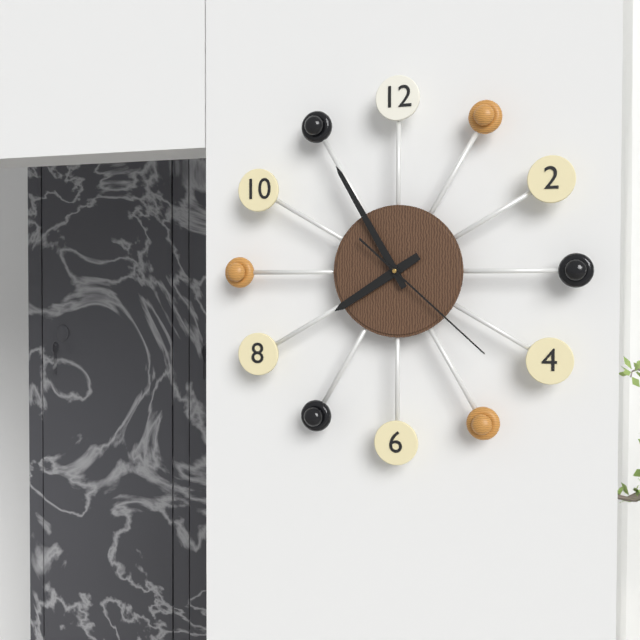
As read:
7,55,22
